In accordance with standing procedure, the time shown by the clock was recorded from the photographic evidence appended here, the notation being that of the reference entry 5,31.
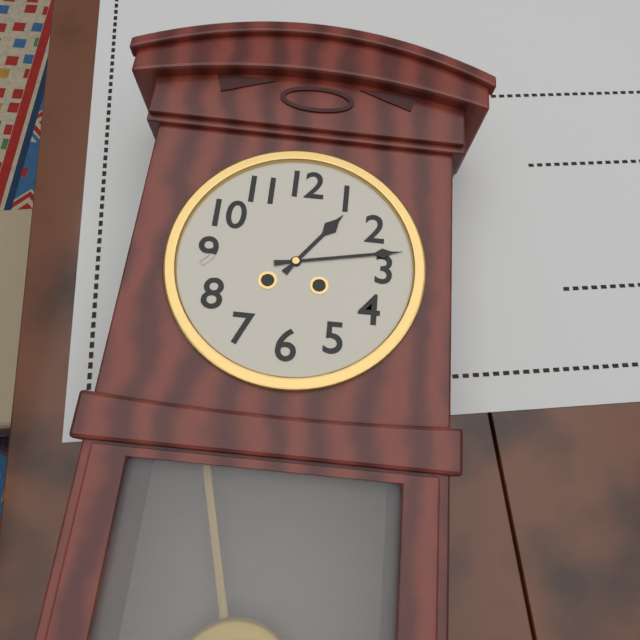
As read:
1,13
